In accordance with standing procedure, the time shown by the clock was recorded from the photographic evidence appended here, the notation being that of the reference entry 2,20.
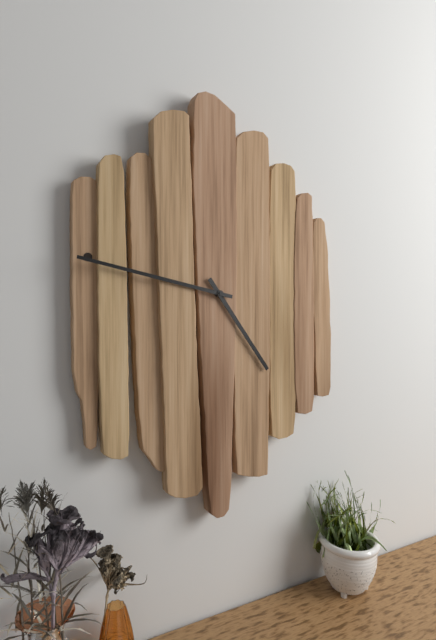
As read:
4,47
